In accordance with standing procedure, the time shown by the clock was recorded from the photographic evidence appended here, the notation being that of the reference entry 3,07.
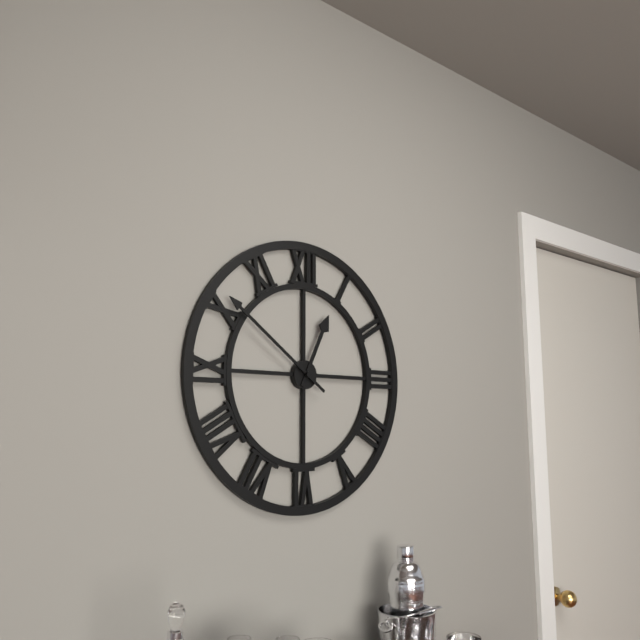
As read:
12,51
